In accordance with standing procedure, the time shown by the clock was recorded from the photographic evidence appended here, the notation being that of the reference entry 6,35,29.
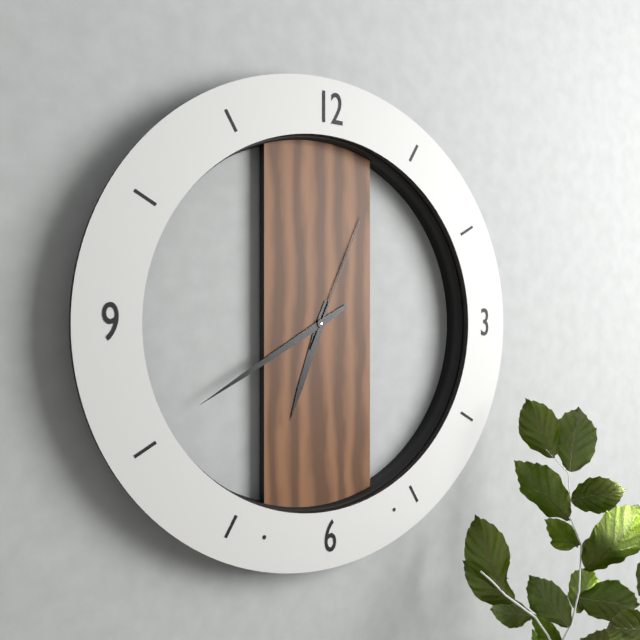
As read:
6,40,04
